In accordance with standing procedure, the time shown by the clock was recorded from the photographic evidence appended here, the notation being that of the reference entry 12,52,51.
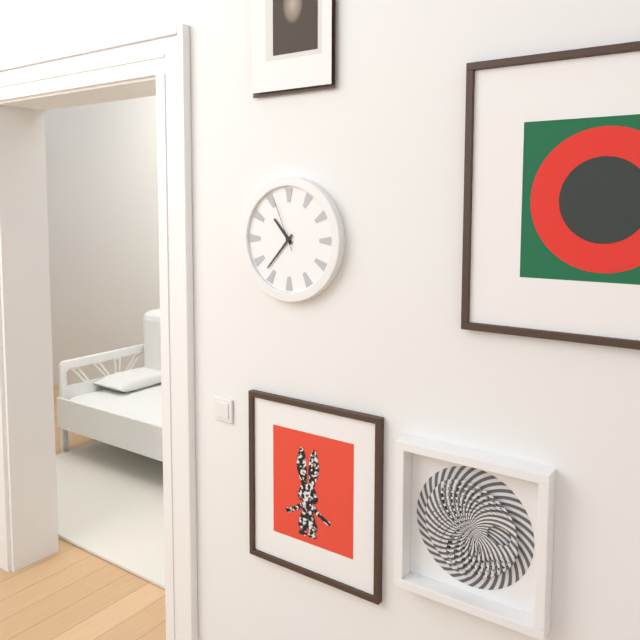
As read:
10,37,56
